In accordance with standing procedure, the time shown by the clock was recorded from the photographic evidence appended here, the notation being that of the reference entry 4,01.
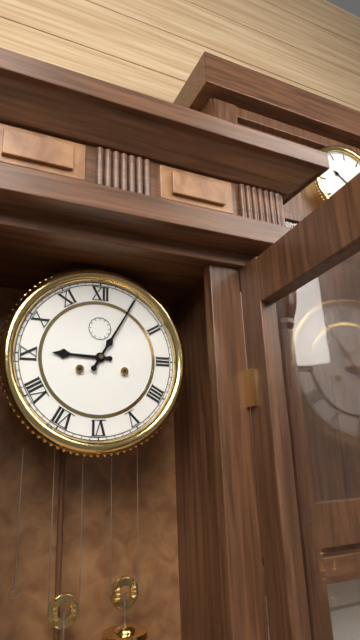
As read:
9,05
